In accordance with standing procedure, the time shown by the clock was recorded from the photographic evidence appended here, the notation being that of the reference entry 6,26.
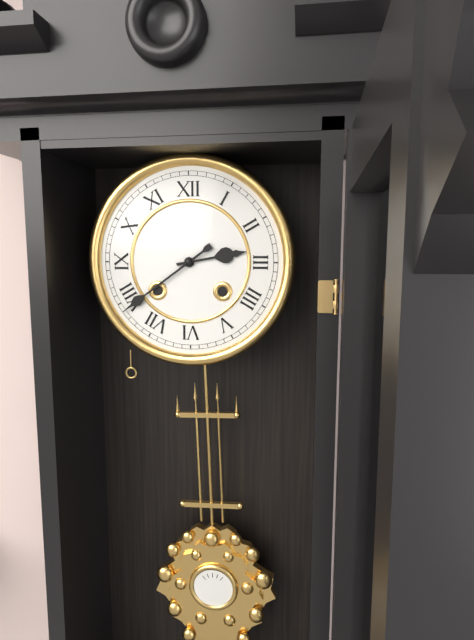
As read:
2,39
